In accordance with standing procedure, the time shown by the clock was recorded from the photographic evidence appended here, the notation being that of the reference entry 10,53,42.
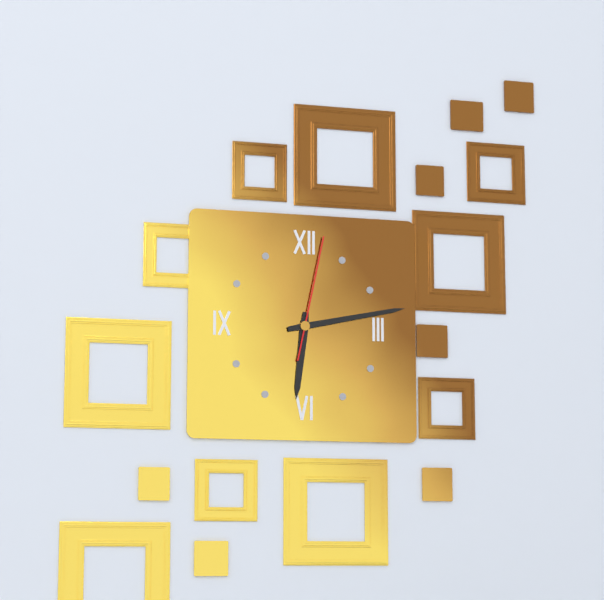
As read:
6,13,02
